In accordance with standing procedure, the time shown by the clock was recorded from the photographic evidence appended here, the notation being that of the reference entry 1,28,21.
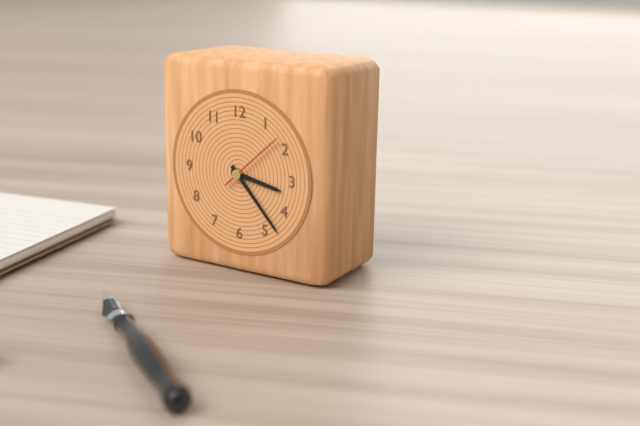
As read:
3,23,08
